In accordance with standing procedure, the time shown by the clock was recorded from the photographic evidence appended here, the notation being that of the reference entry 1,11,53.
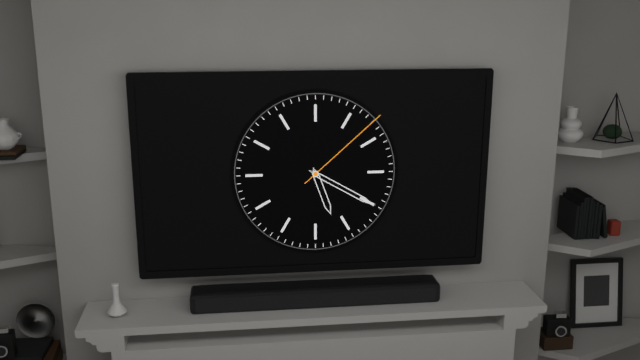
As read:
5,20,08
